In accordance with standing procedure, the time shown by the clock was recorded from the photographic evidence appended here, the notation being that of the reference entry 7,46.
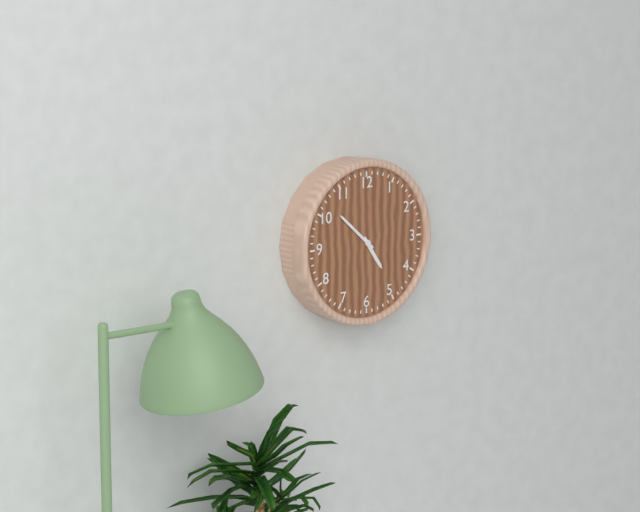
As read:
4,52
